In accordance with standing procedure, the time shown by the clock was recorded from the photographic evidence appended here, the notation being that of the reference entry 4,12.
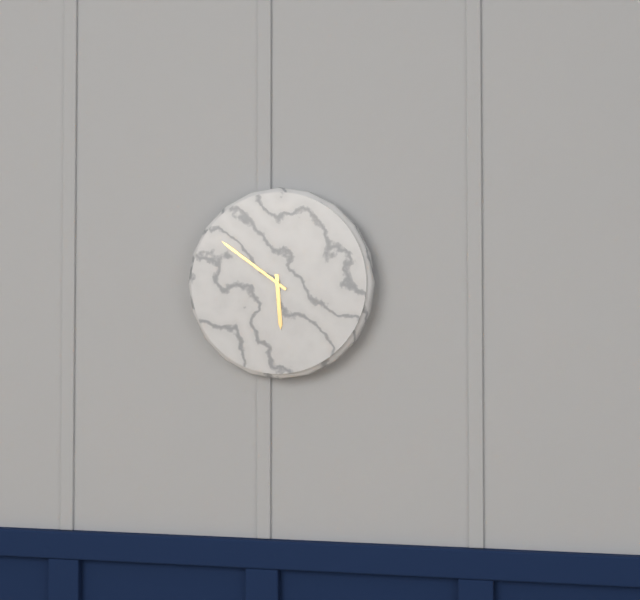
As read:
5,51
